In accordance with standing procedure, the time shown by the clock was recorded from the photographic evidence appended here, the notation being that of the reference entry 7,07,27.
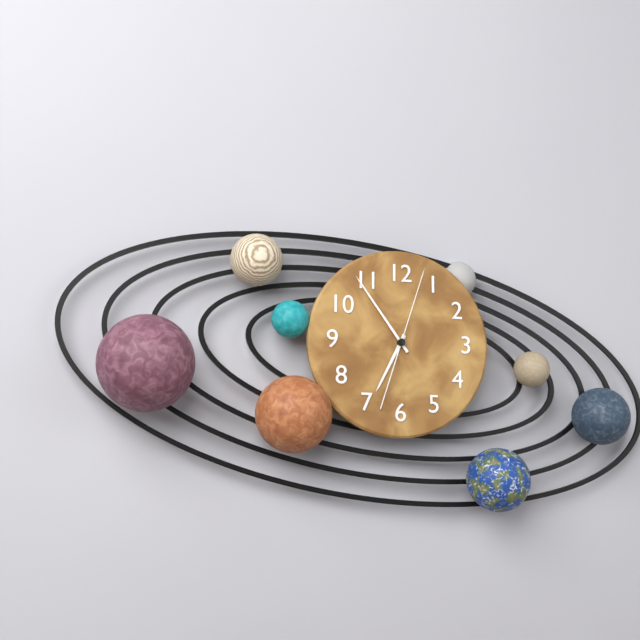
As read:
6,54,03
